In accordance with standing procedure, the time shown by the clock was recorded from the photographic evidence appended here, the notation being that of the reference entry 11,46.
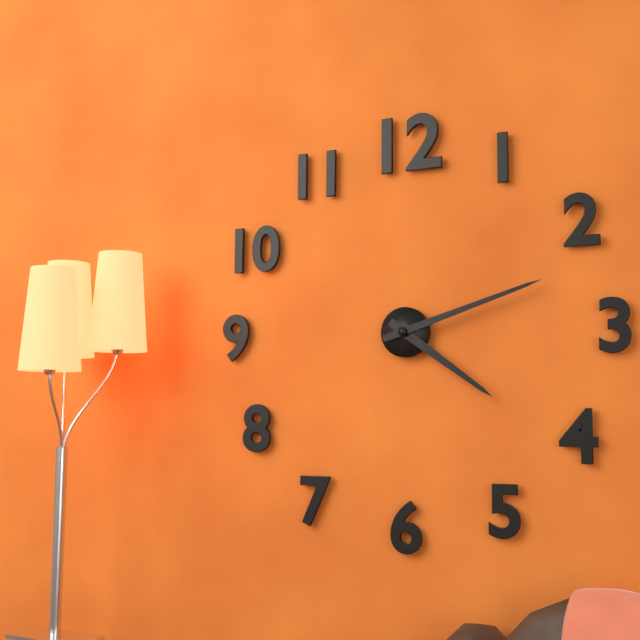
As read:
4,12
